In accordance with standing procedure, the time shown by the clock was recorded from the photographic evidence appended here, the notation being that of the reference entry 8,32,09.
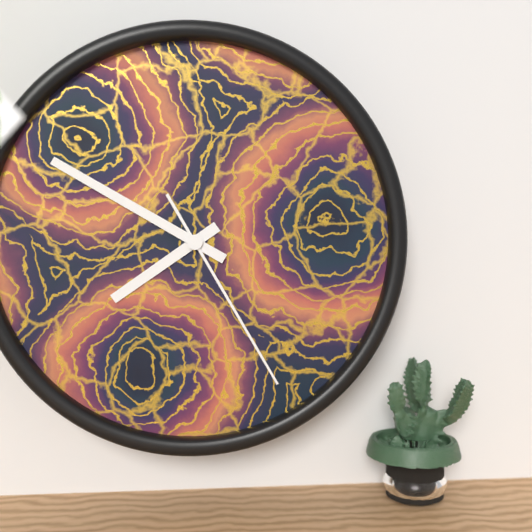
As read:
7,50,25
